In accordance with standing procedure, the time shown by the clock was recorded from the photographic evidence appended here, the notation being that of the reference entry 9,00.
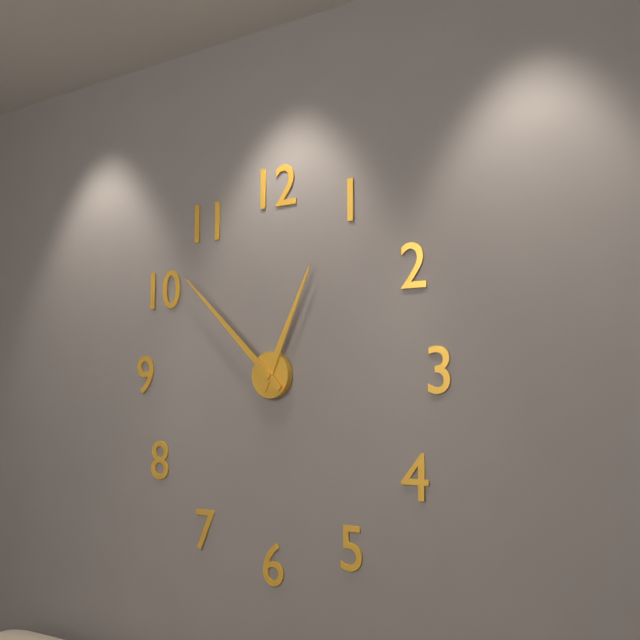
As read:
12,52
